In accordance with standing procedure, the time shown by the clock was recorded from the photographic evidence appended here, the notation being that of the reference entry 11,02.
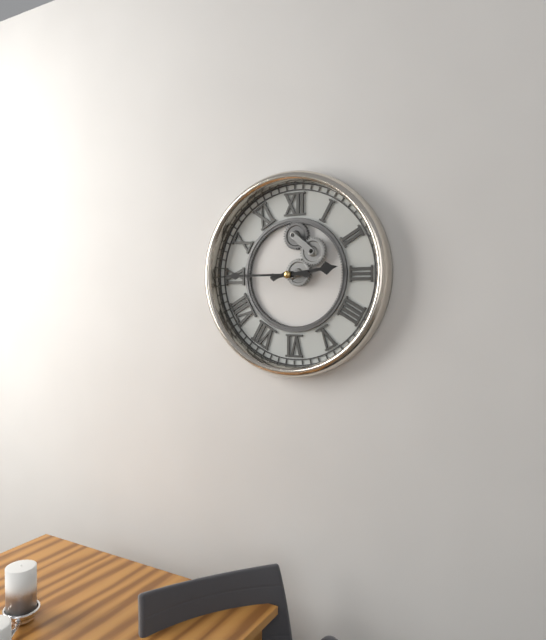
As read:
2,45
